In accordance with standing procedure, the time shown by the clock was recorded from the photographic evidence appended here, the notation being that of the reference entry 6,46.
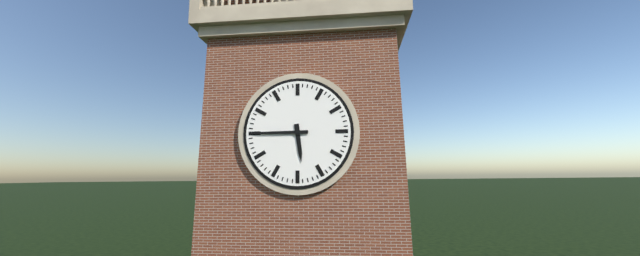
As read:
5,45
